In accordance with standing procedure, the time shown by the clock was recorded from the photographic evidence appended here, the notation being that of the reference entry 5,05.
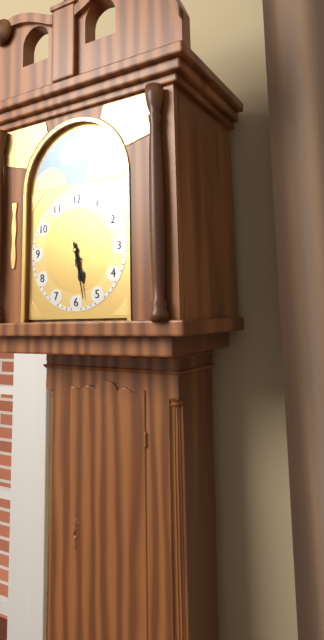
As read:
5,28
